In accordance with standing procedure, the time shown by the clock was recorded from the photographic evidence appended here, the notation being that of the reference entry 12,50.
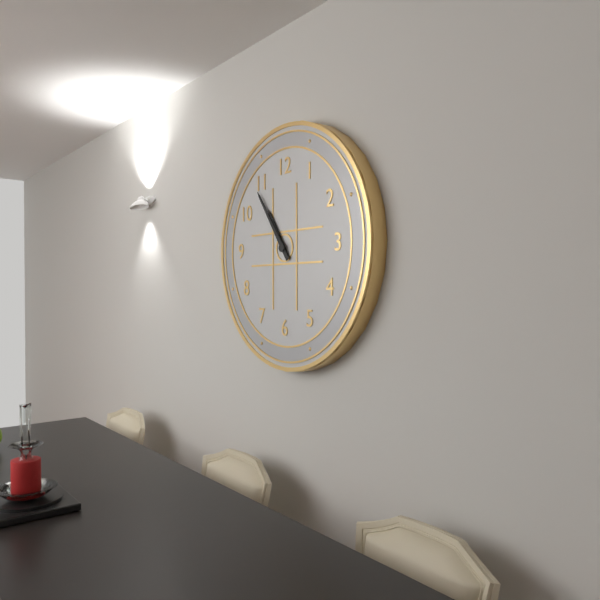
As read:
10,54
